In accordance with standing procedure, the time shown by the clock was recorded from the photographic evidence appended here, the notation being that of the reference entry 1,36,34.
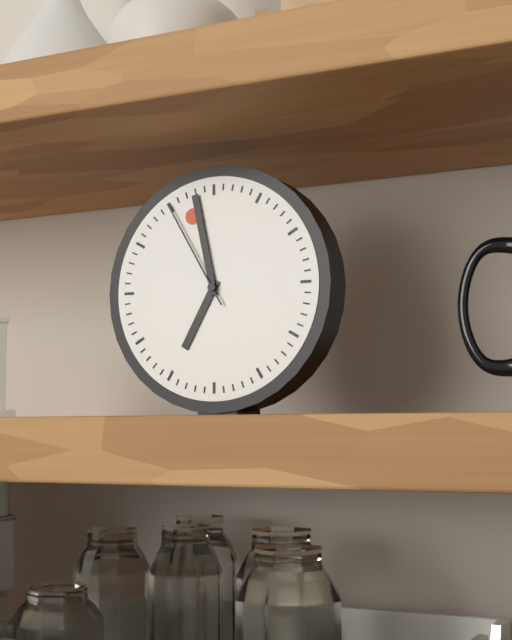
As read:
6,58,55
